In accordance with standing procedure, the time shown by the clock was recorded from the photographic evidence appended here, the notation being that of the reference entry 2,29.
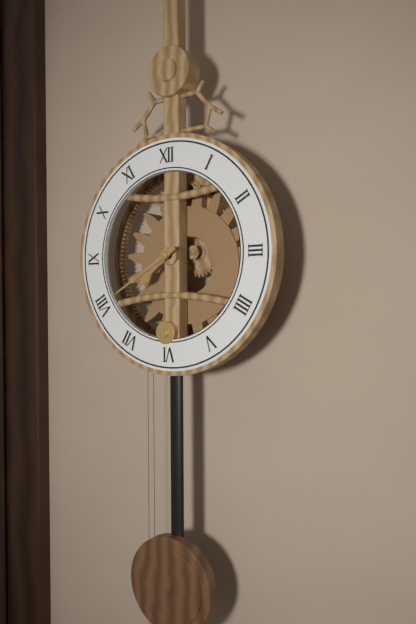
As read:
7,40
